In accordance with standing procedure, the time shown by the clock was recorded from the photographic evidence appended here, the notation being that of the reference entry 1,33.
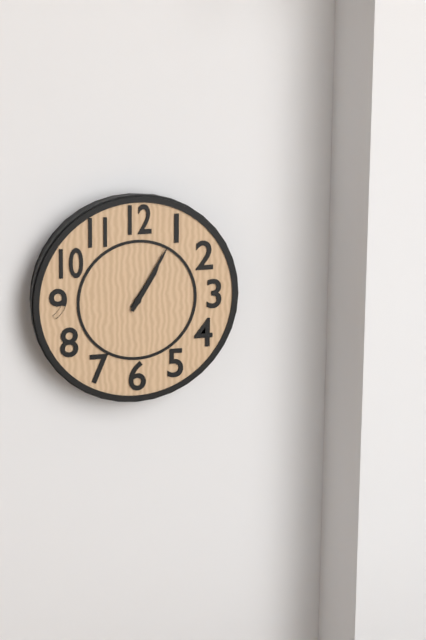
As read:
1,05
